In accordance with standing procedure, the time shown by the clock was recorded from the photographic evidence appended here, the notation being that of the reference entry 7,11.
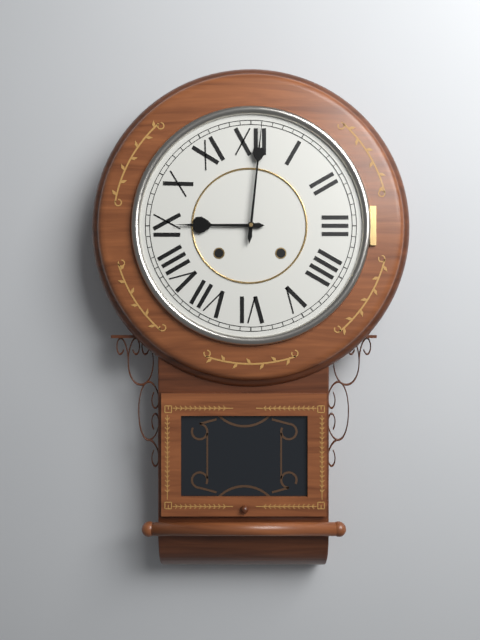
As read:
9,01
